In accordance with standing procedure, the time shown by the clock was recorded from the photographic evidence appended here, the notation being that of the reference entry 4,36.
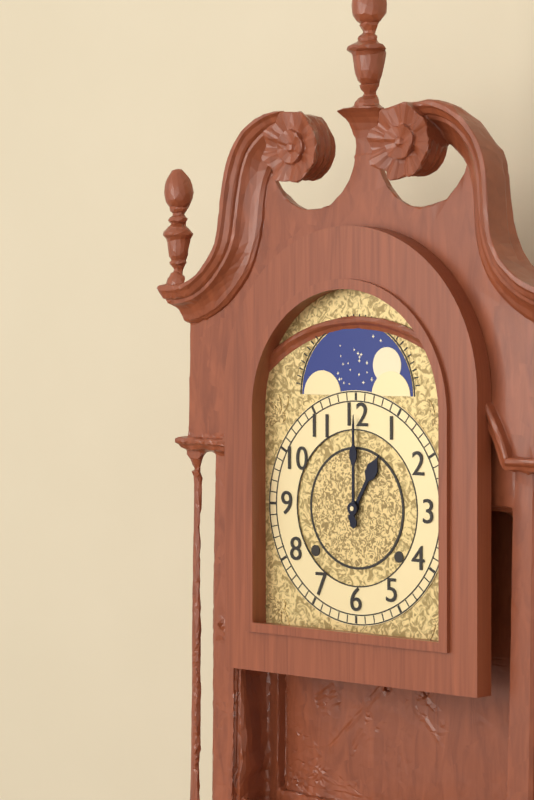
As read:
1,00
